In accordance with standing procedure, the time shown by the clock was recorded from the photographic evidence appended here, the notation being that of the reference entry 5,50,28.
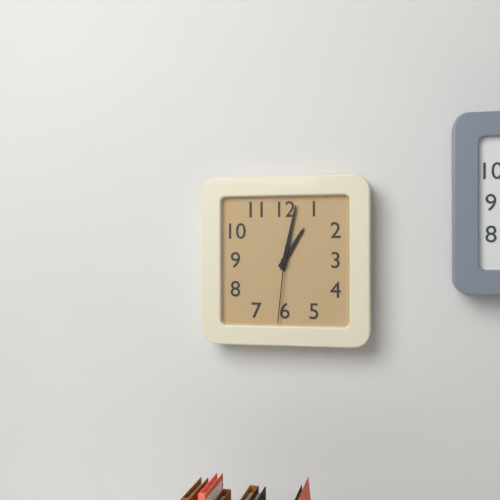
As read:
1,02,31
